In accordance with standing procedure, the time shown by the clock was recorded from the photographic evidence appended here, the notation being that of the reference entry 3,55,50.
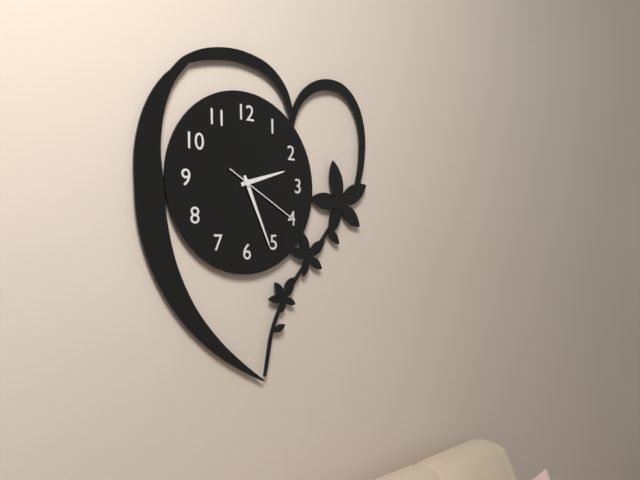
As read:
2,26,20
